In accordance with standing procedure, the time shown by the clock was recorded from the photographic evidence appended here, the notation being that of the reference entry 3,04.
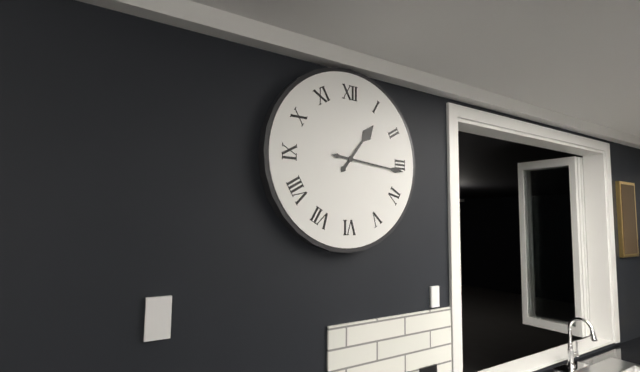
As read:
1,16
